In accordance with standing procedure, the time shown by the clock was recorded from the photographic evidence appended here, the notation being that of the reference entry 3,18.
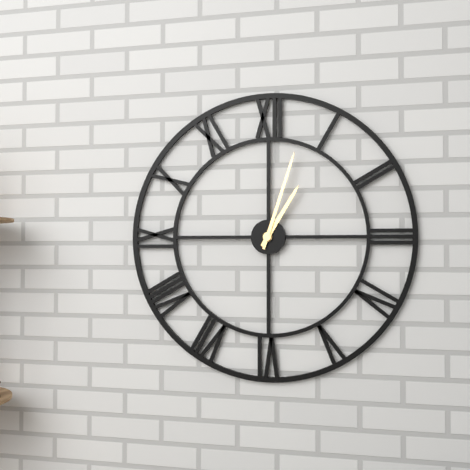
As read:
1,03
